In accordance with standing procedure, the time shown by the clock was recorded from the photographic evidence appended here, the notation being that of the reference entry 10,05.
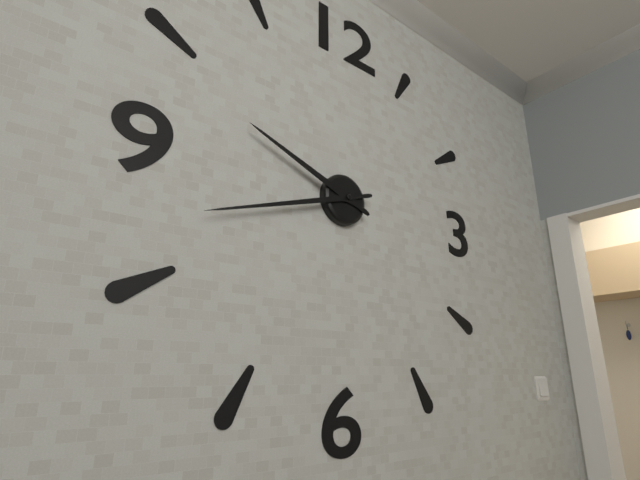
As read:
9,42
